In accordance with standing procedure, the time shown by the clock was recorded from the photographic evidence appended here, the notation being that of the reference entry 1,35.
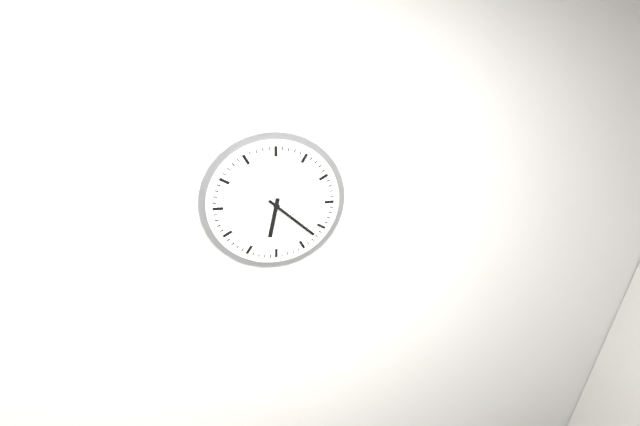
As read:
6,22
